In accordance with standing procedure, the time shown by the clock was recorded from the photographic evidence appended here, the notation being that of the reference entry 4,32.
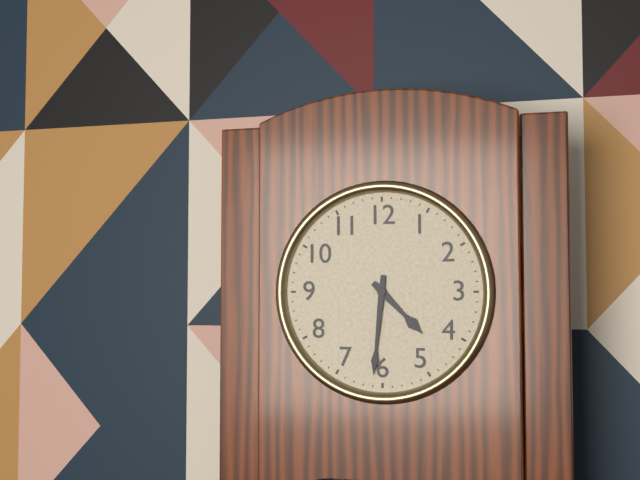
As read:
4,31
